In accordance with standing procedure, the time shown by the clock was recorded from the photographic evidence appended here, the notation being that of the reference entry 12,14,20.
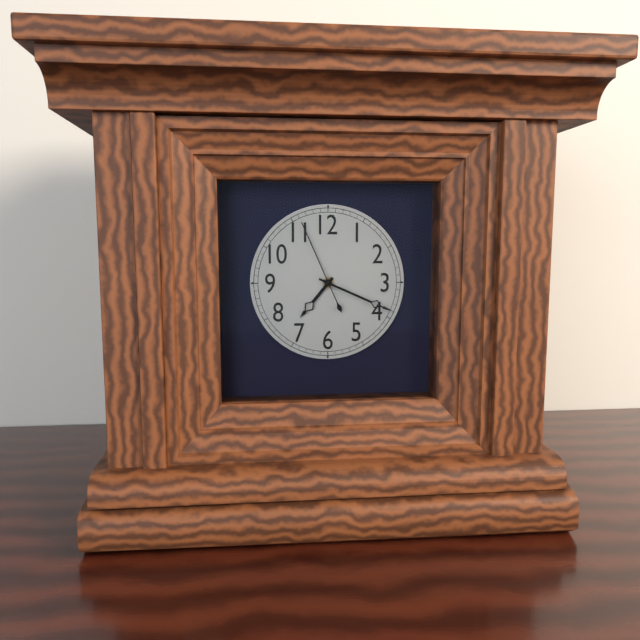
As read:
7,19,56
